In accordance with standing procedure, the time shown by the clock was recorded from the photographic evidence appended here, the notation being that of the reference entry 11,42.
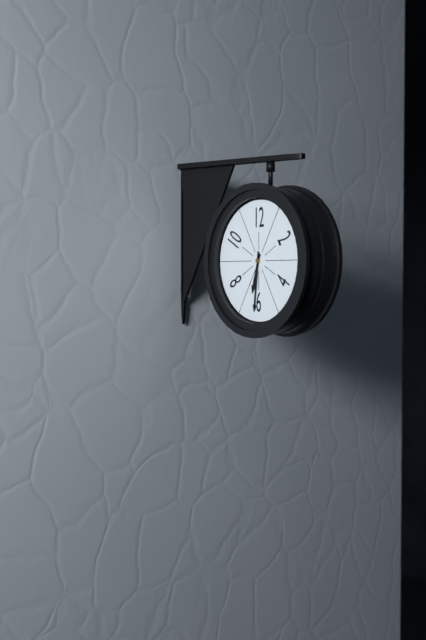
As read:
6,31
